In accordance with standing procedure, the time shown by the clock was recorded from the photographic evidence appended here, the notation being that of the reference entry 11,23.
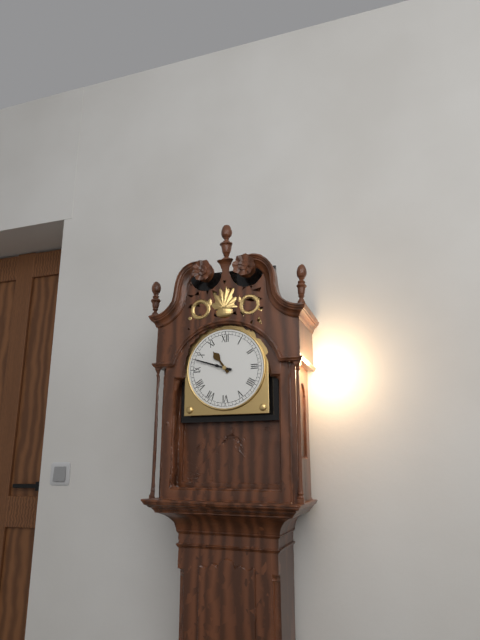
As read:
10,48
